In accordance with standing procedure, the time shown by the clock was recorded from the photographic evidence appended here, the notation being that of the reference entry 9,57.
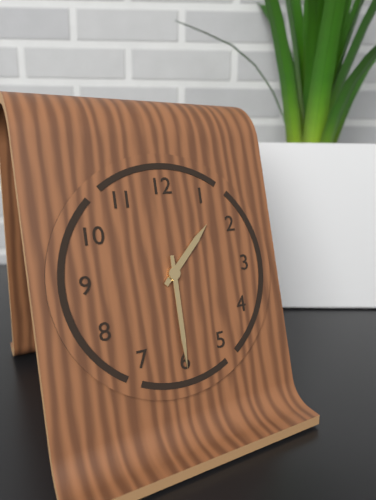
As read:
1,30
